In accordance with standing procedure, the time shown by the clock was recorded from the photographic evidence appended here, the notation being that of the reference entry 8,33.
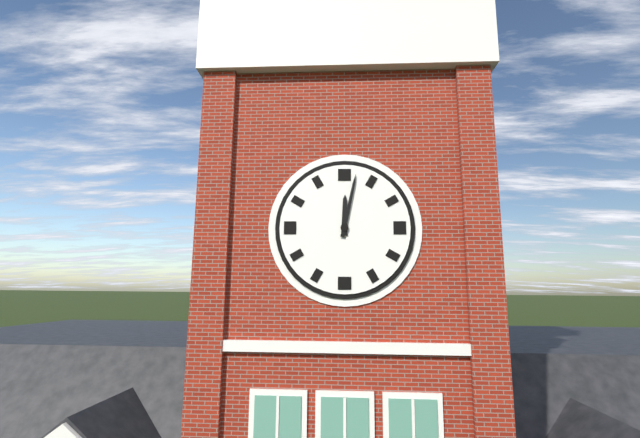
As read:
12,02
